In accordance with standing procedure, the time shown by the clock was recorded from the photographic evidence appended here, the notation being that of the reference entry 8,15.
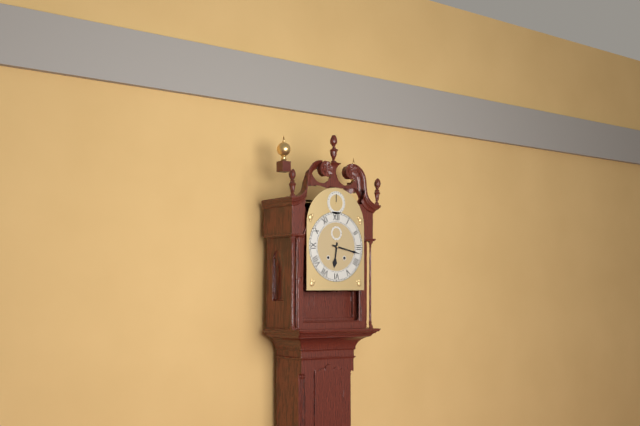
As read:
6,17
